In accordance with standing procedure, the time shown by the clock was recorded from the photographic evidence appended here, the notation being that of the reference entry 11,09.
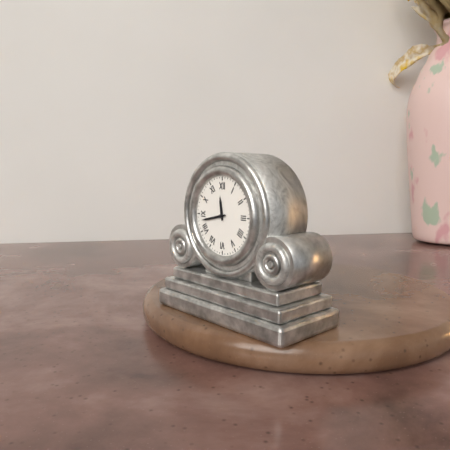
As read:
11,43
